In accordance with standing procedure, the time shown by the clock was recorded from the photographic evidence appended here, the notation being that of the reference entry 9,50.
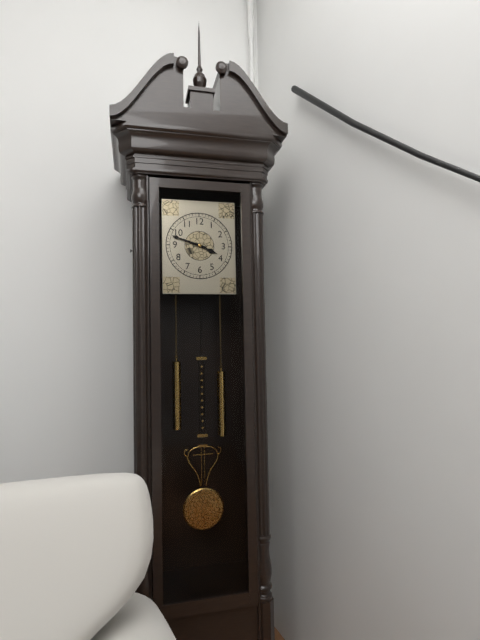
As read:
3,48
